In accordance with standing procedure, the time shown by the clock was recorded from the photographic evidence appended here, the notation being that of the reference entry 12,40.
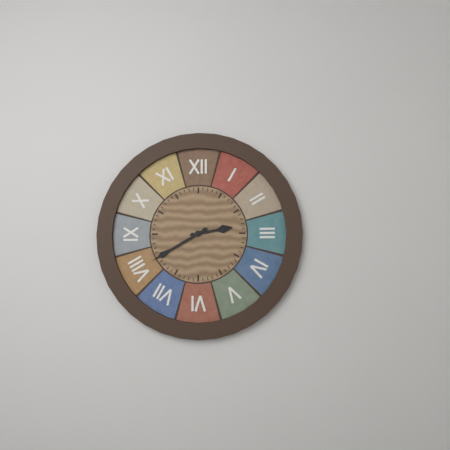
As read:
2,40
